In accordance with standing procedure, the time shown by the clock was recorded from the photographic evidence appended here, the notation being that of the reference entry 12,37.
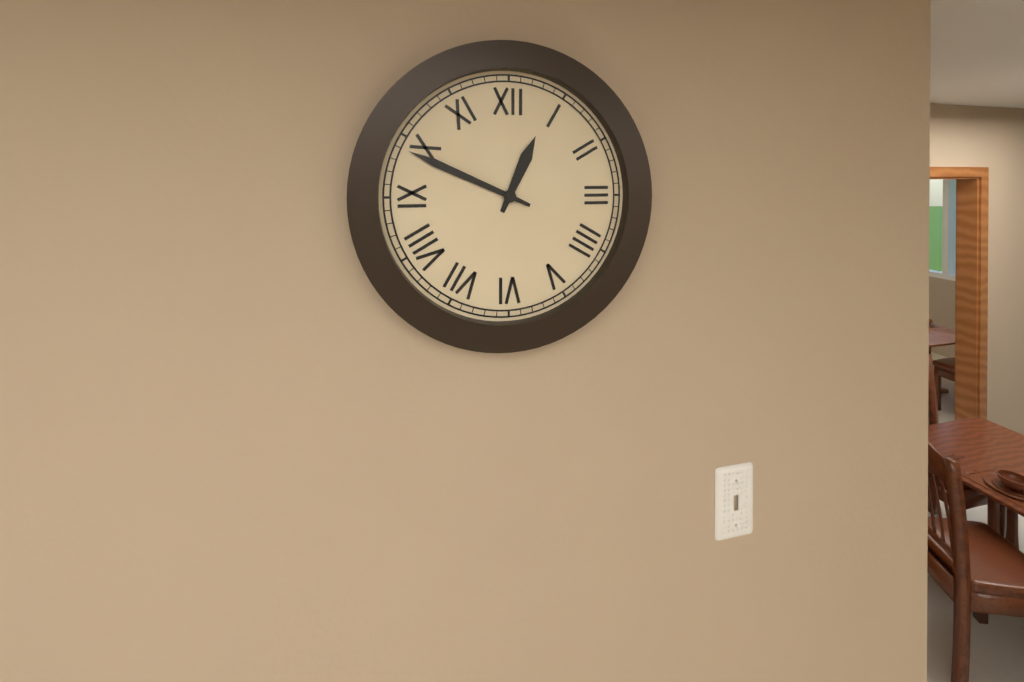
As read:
12,49
